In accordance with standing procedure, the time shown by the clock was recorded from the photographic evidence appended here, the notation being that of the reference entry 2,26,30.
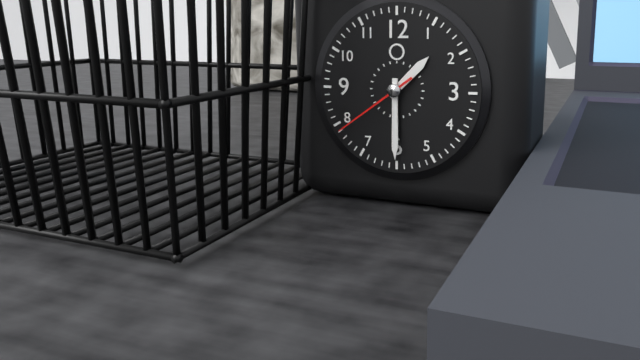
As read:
1,30,39
